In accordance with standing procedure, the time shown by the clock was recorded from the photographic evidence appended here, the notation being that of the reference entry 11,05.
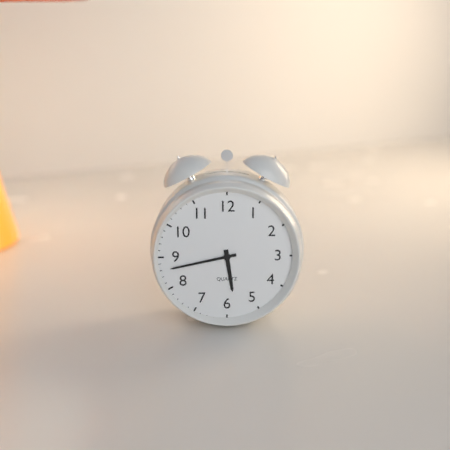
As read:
5,43
